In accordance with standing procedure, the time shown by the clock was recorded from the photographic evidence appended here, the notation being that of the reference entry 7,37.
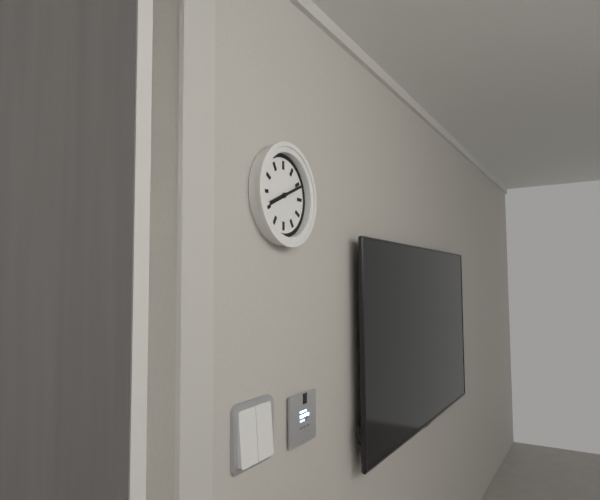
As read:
8,11
